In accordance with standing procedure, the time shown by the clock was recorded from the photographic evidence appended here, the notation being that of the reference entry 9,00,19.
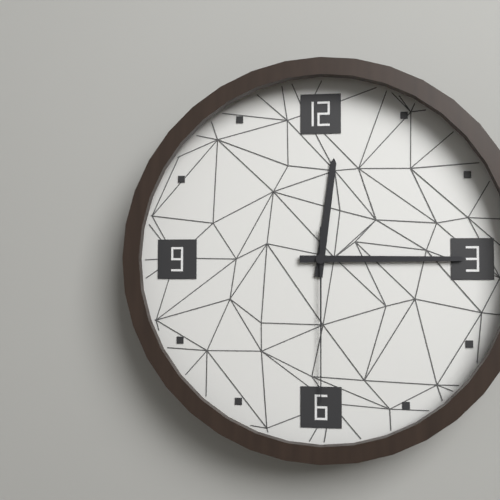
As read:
12,15,30
